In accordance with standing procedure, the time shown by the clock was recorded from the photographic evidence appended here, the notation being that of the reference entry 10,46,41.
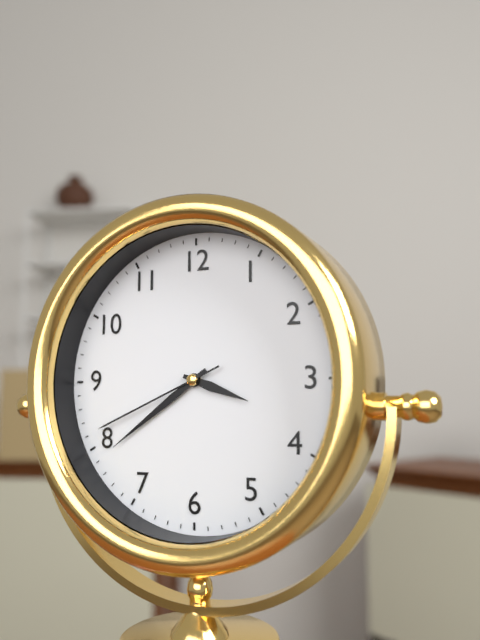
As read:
3,39,41
